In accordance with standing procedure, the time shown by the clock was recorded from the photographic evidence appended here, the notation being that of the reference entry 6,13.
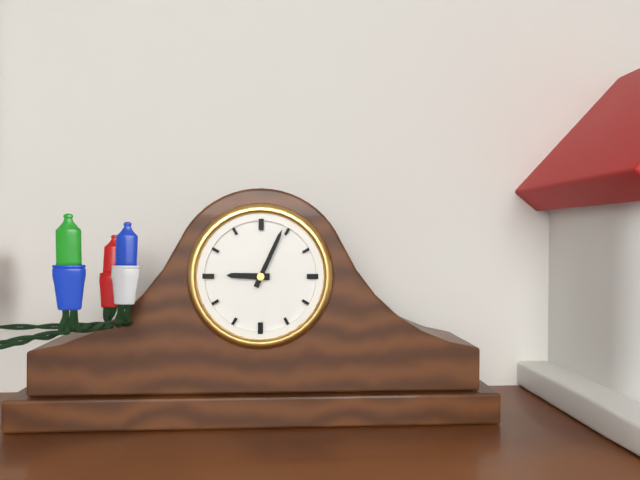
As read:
9,04
